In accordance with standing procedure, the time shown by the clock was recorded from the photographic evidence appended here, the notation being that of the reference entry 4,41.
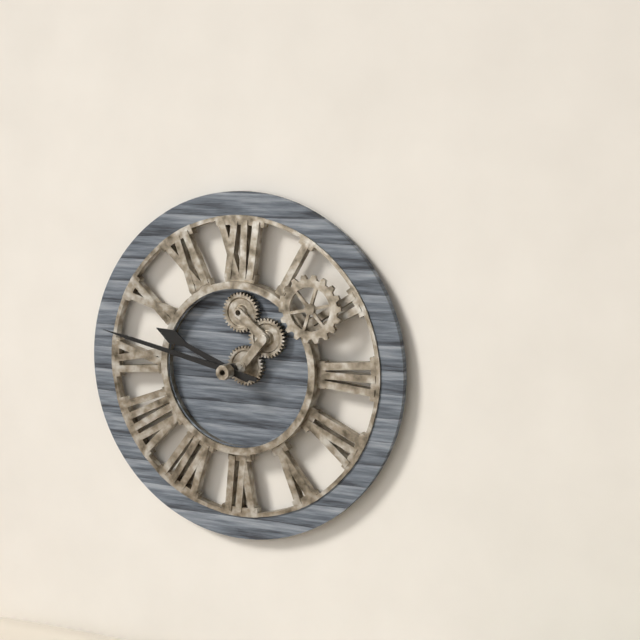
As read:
9,47
